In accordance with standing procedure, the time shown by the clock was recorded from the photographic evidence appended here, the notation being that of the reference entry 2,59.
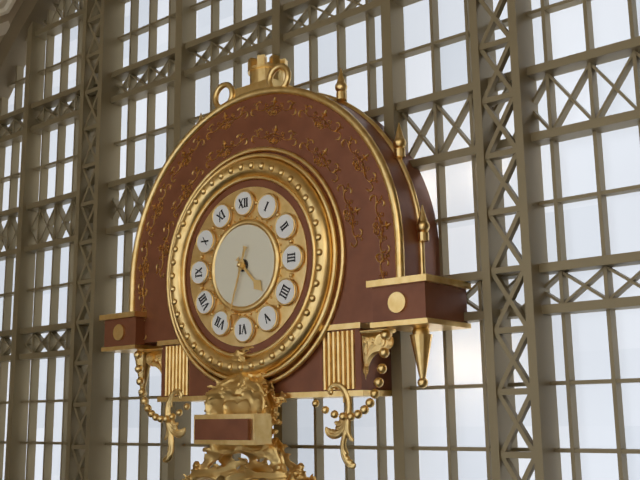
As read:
4,33
